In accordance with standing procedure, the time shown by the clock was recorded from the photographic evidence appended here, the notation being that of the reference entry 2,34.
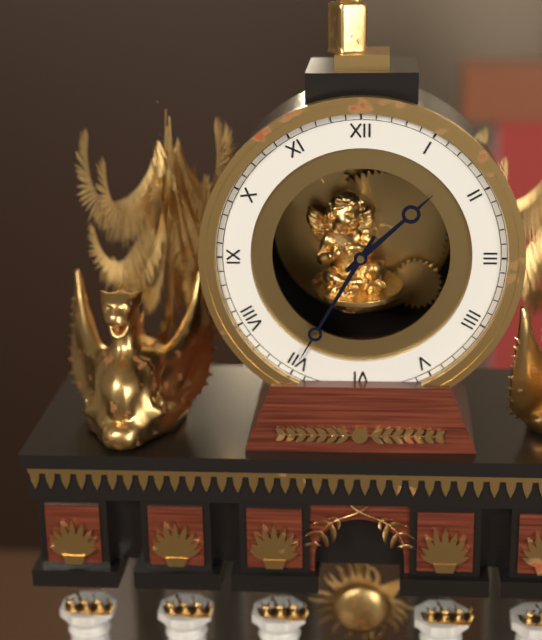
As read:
1,35
